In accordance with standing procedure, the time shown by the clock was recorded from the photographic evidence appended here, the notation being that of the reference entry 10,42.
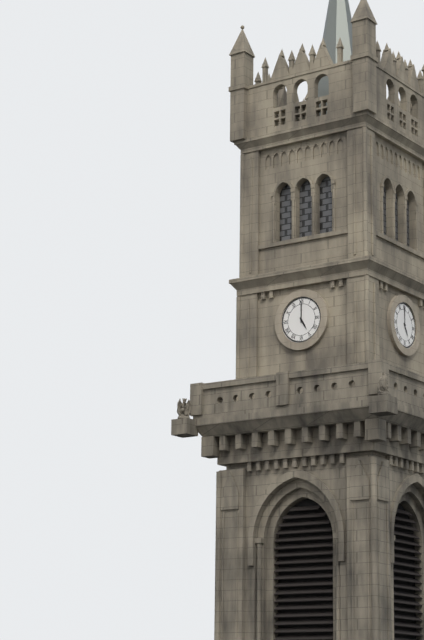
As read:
5,00
